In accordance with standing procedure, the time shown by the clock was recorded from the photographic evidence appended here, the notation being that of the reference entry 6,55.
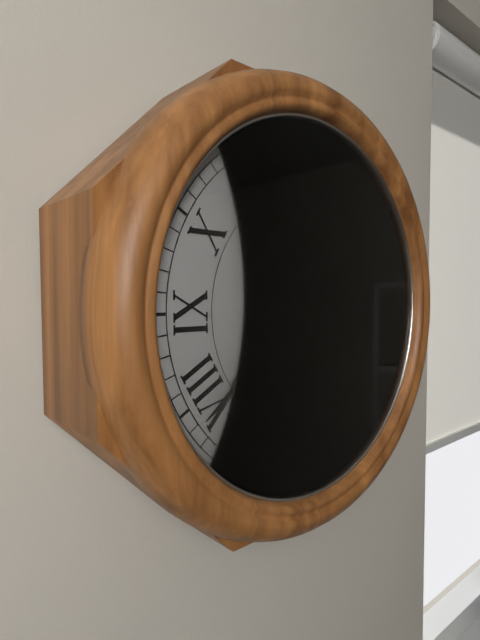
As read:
10,39
